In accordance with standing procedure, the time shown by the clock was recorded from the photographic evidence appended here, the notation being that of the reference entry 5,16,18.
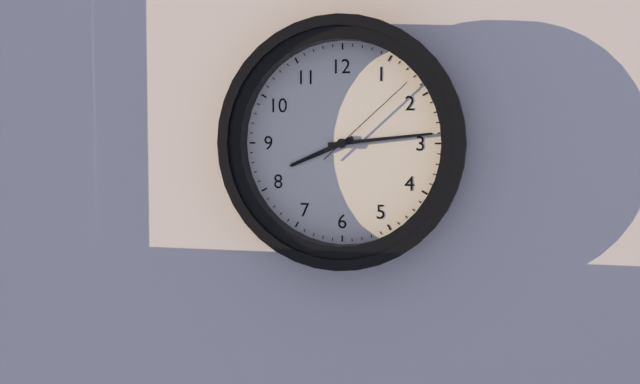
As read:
8,14,08
